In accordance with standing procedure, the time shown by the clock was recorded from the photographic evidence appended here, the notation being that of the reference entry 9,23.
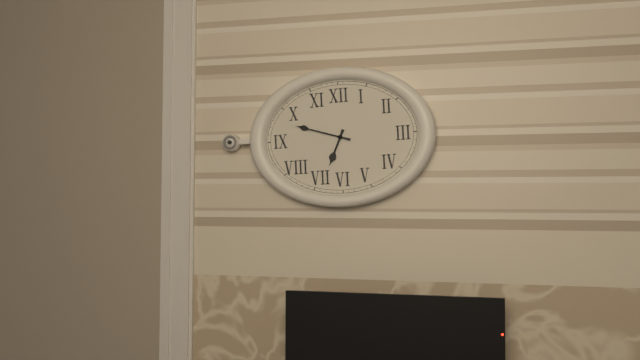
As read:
6,48
